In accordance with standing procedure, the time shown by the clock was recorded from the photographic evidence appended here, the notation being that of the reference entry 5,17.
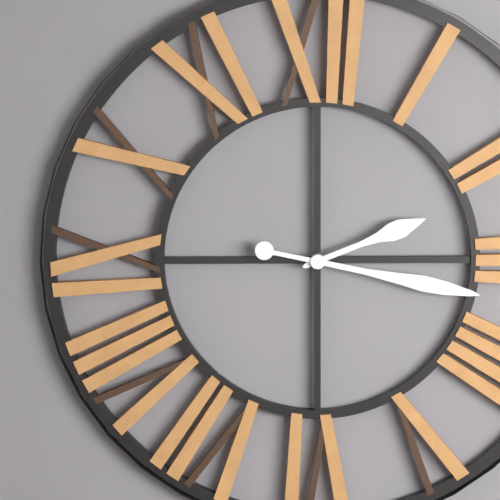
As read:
2,17
